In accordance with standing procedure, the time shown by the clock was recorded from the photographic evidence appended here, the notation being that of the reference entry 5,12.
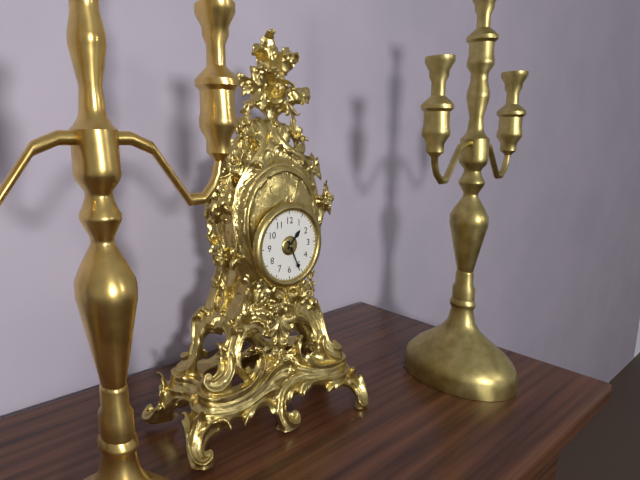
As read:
1,26
